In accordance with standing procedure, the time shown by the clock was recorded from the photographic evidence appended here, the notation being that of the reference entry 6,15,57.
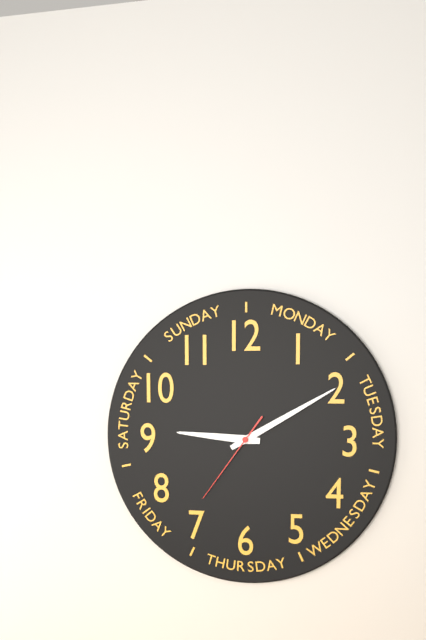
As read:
9,10,36
